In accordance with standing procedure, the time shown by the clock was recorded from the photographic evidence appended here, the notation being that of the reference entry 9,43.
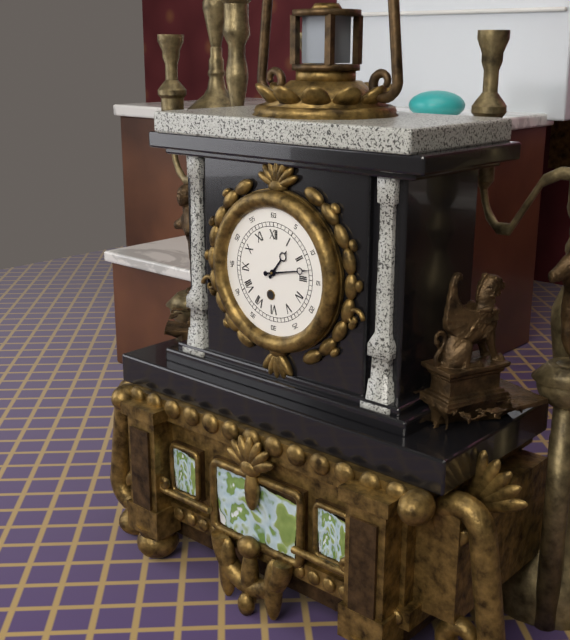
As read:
1,13
